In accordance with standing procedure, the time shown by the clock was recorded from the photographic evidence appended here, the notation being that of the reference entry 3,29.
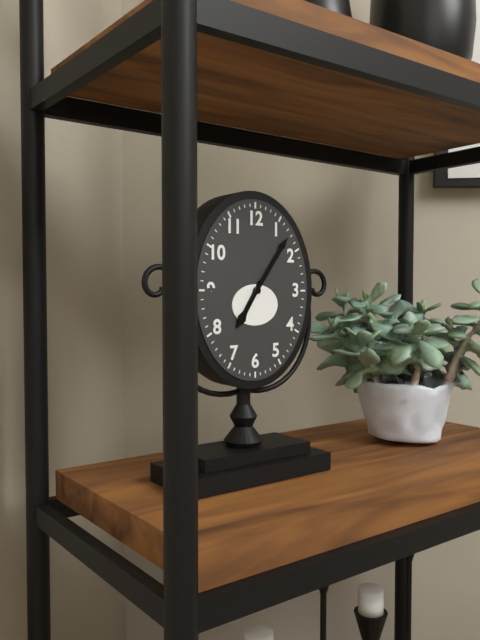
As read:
7,06
